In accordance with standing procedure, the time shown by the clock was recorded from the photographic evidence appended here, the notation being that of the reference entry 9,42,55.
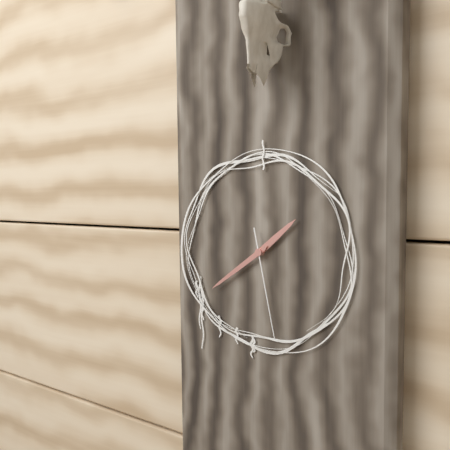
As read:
1,39,28
